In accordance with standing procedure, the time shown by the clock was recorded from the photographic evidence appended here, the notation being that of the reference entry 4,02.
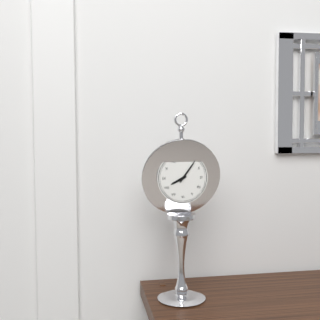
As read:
8,06
